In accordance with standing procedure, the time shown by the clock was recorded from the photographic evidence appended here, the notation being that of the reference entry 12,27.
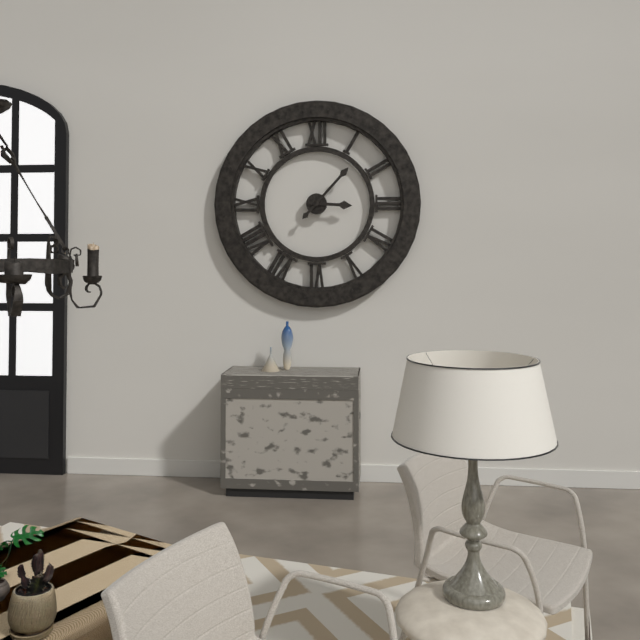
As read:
3,07
